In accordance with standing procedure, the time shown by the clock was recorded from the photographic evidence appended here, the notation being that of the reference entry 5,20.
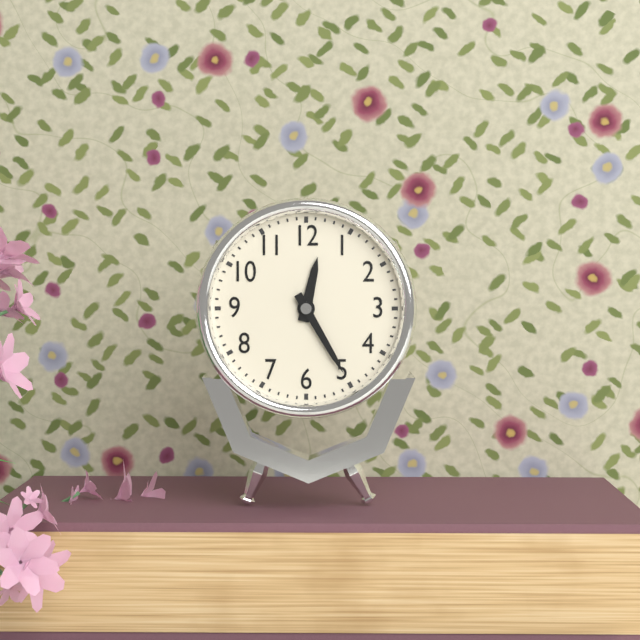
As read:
12,25
